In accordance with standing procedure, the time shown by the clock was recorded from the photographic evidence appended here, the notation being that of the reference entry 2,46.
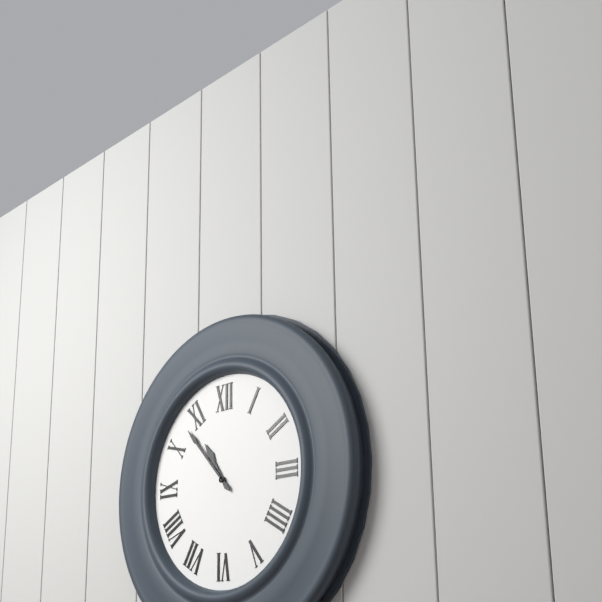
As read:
10,53
